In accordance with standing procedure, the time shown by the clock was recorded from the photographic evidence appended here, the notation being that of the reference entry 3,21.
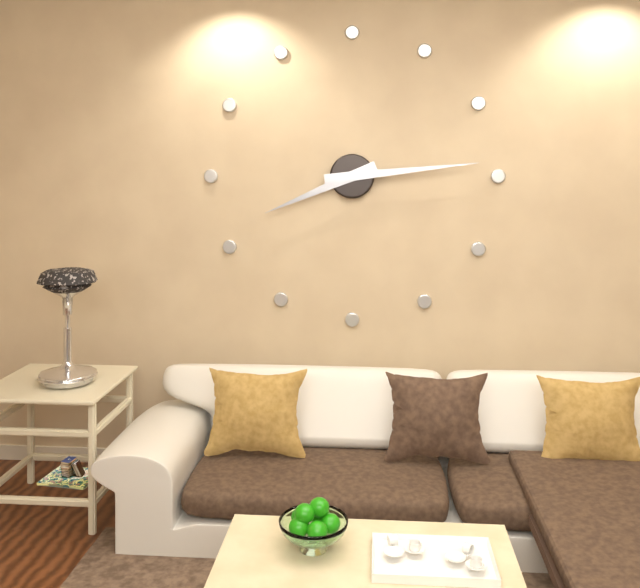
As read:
8,14
